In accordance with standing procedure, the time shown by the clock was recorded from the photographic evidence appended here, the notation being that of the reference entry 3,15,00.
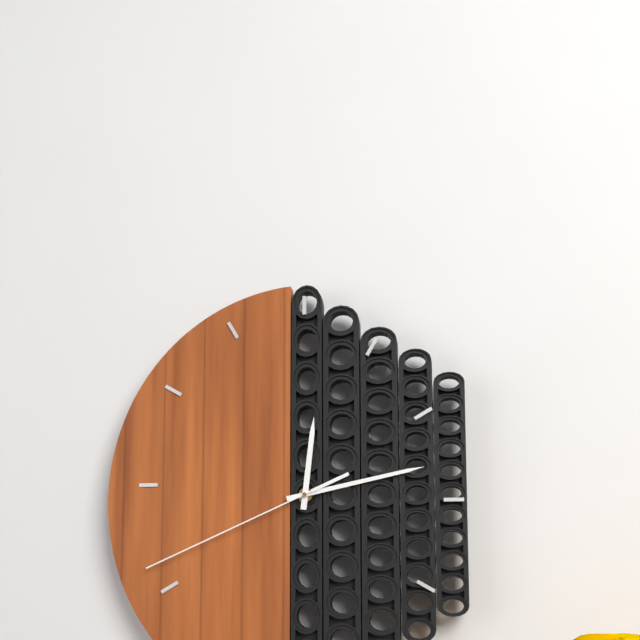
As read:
12,13,41
